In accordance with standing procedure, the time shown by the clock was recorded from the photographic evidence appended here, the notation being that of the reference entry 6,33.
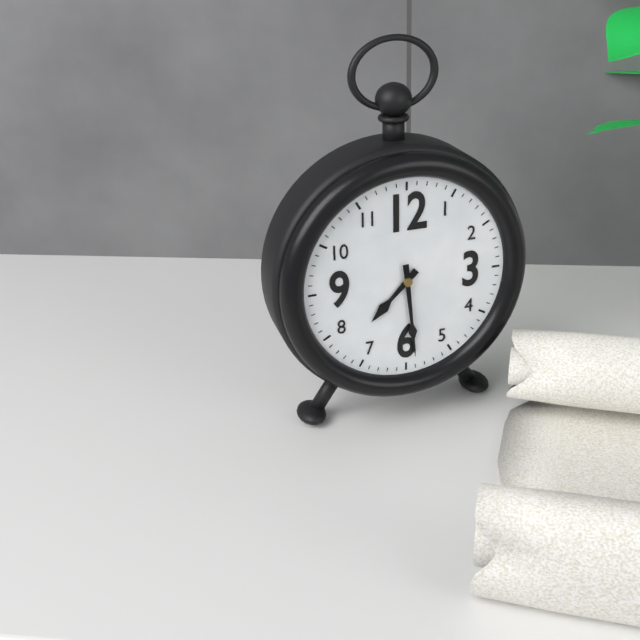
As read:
7,29
